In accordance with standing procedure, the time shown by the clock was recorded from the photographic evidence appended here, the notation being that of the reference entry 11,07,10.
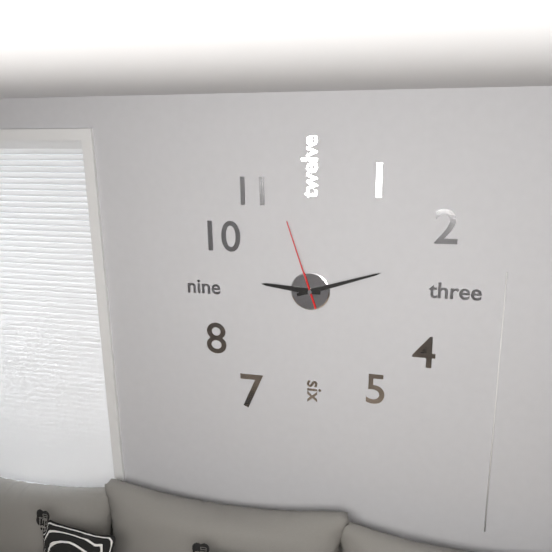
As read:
9,12,57
